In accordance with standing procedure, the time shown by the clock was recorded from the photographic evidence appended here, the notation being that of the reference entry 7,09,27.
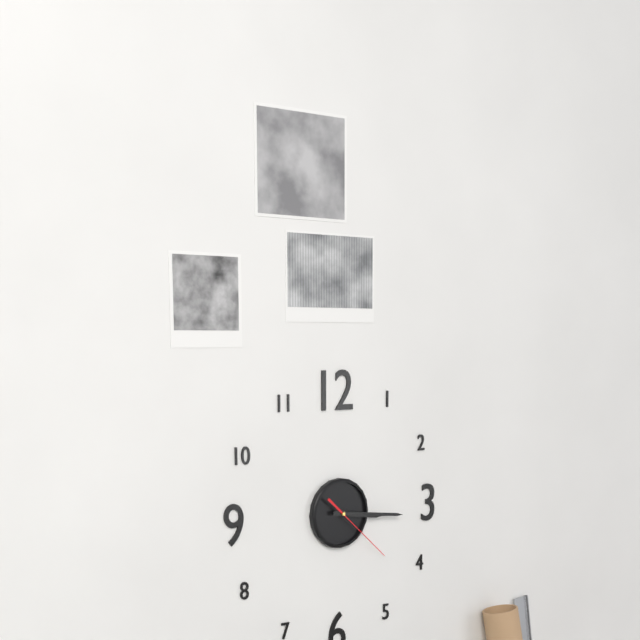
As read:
3,16,22
